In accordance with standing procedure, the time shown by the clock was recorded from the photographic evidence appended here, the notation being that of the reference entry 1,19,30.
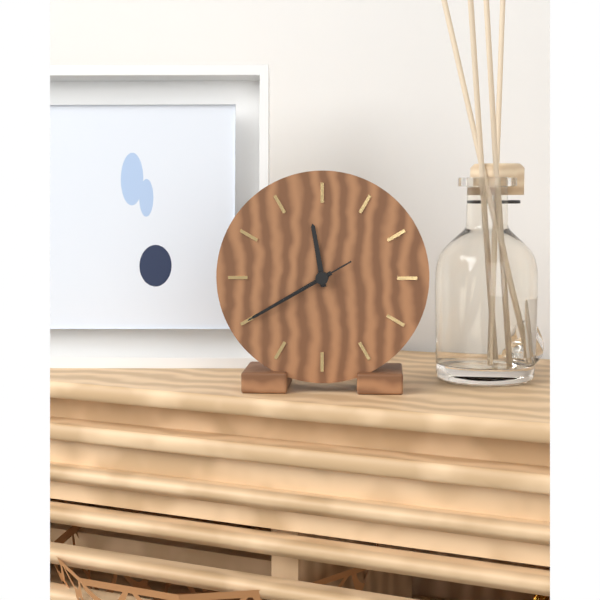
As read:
11,40,40
